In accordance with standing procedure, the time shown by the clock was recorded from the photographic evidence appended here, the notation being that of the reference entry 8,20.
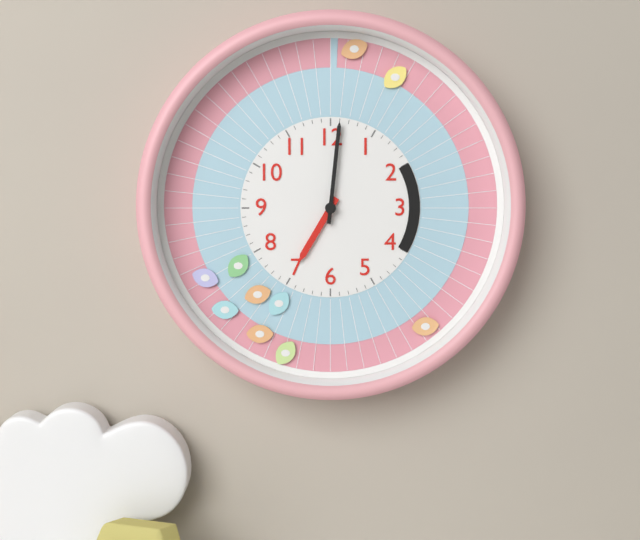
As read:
7,01
